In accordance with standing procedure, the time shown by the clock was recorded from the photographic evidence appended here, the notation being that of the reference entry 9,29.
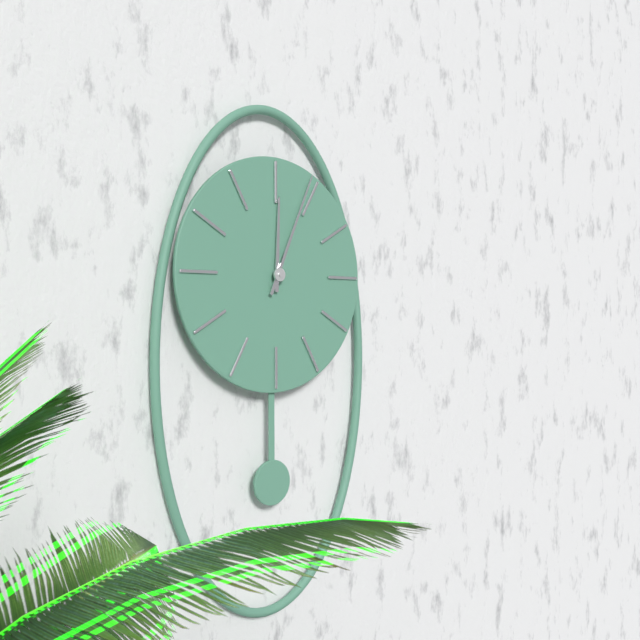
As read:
12,04
